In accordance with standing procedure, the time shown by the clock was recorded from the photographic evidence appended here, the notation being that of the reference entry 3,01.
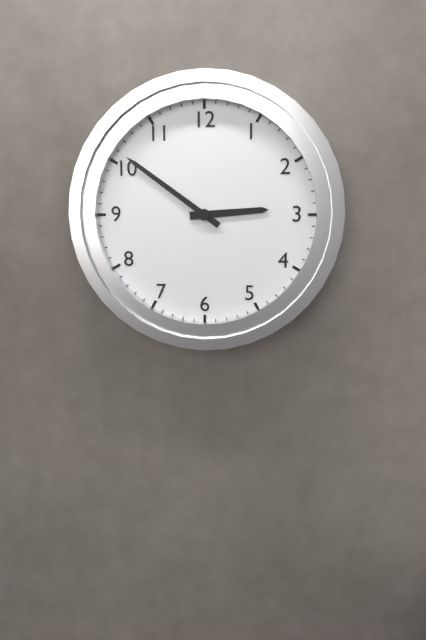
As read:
2,51
